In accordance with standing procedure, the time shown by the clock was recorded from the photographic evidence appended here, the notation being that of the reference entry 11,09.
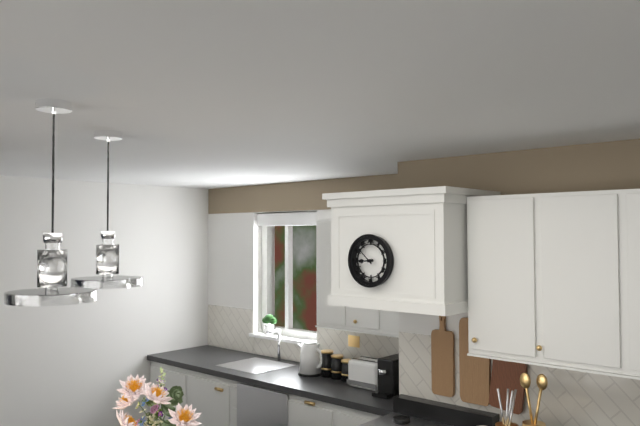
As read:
8,52
